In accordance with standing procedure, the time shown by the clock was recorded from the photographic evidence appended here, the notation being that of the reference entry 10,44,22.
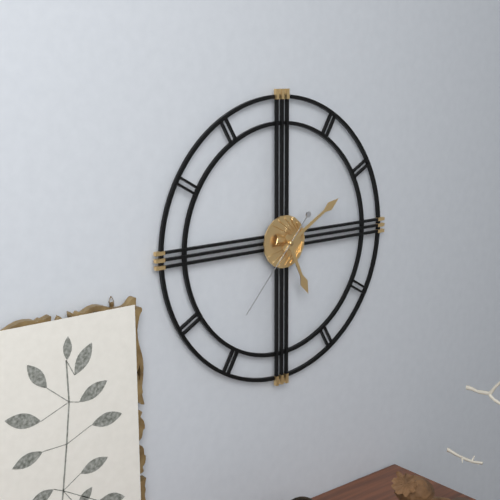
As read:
5,10,37
